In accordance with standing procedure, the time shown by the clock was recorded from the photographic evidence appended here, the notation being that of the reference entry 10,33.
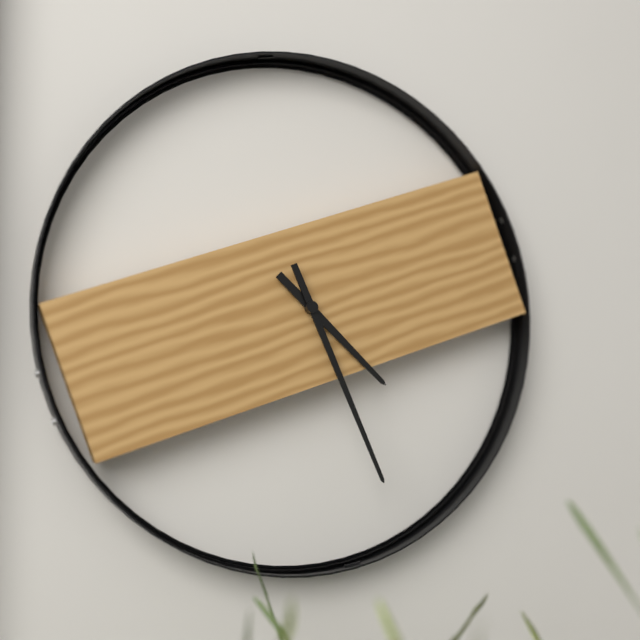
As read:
4,26
